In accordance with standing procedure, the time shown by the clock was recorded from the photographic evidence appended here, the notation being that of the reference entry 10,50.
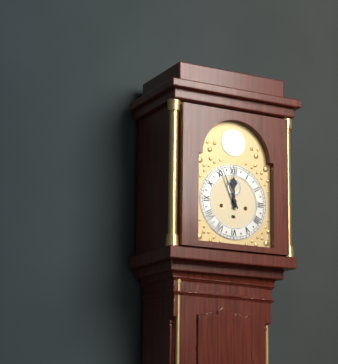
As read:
11,56
